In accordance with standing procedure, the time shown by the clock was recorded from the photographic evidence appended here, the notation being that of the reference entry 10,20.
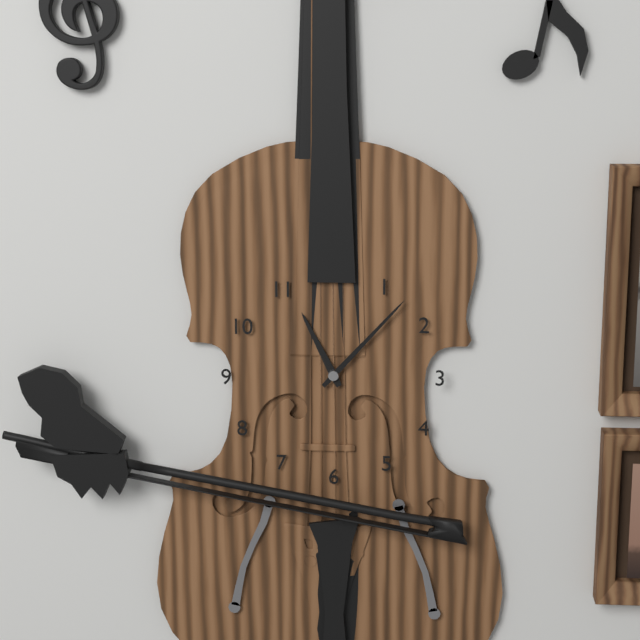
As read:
11,07
